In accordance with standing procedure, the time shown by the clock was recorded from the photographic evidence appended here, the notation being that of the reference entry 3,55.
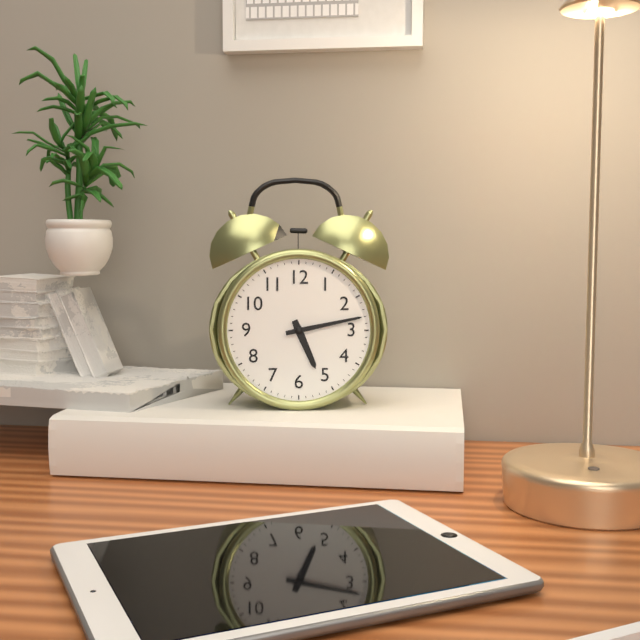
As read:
5,13
